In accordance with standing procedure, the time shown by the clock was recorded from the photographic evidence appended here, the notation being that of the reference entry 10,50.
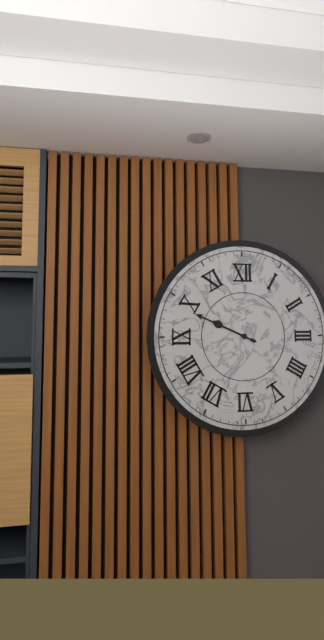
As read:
9,49
